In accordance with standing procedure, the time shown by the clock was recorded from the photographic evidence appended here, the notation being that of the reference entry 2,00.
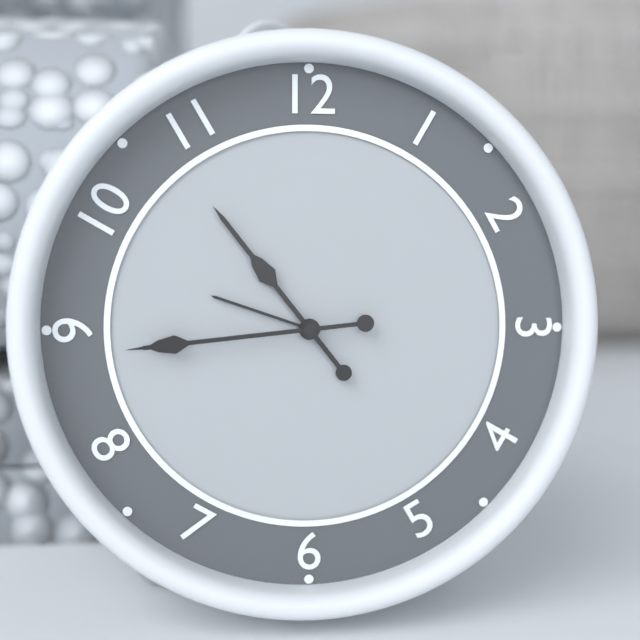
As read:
10,44
